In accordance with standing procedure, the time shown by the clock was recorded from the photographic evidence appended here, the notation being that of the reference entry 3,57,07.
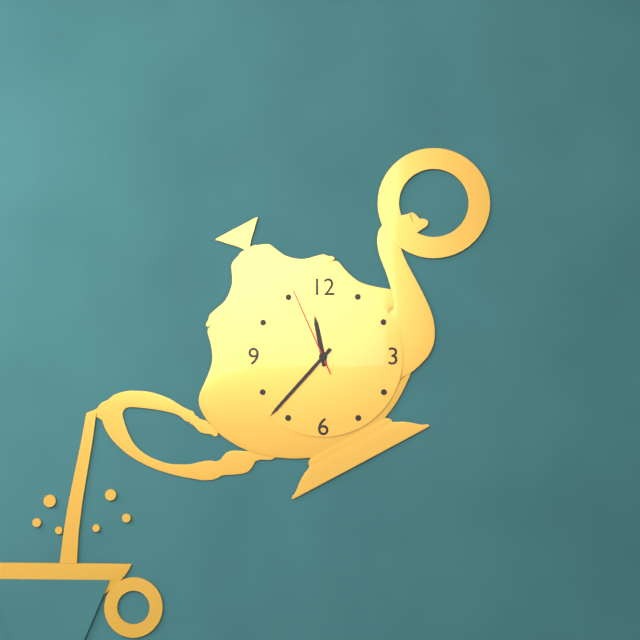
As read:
11,37,56
